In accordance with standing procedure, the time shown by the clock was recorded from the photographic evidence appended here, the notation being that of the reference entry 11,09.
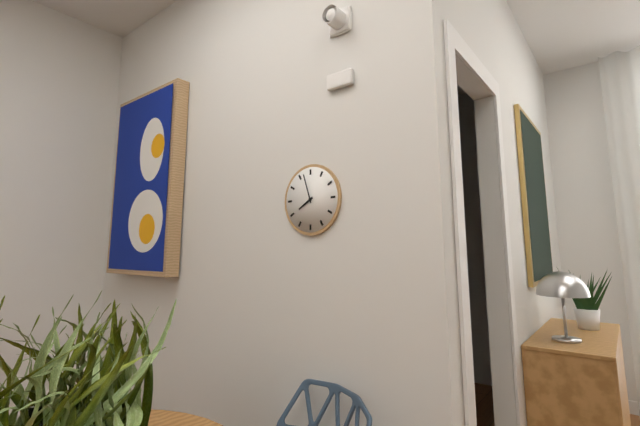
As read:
7,57
